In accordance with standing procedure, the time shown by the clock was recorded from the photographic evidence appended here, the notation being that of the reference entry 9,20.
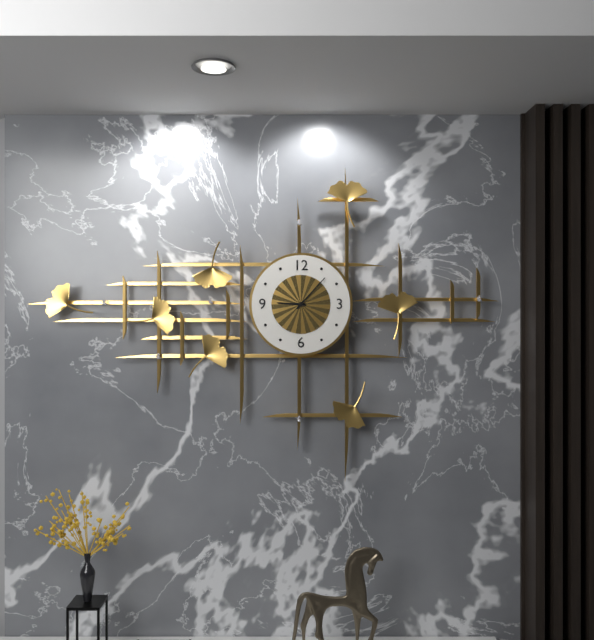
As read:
9,07
